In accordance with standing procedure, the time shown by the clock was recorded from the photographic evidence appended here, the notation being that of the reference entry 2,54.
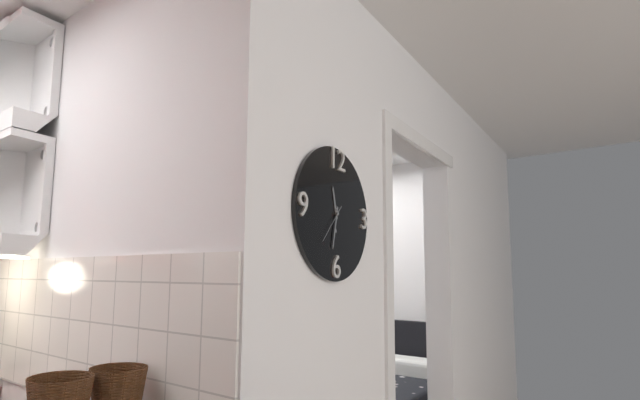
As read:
11,32
